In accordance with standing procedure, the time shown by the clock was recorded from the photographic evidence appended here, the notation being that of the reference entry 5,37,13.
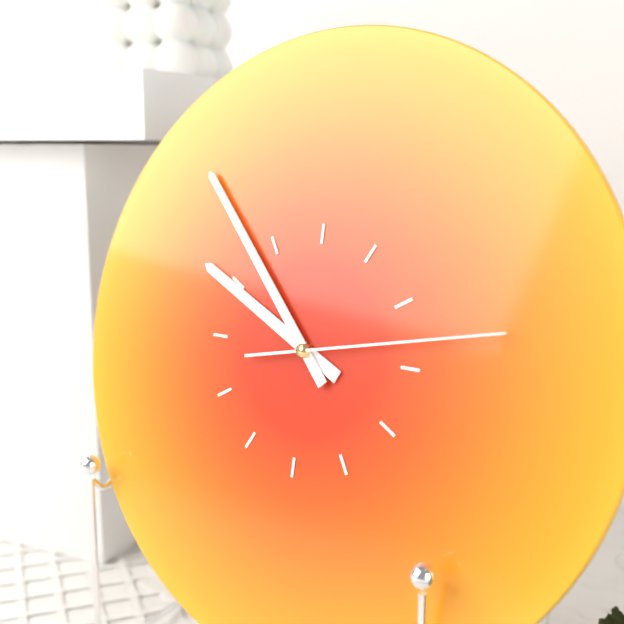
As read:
9,53,13
